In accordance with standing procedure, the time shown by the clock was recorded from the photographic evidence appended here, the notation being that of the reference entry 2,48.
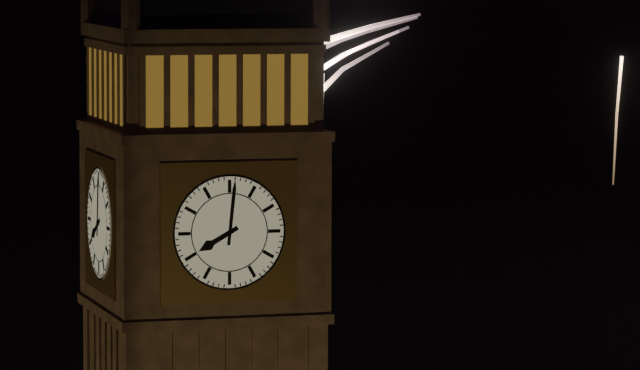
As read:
8,01
